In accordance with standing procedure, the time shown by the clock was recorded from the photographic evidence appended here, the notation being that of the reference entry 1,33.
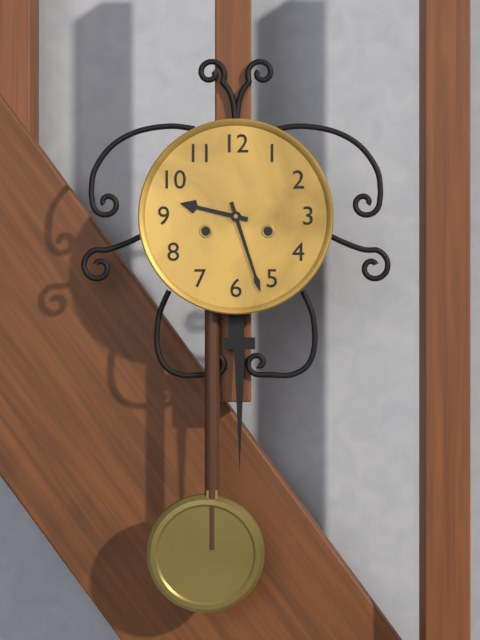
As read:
9,27
